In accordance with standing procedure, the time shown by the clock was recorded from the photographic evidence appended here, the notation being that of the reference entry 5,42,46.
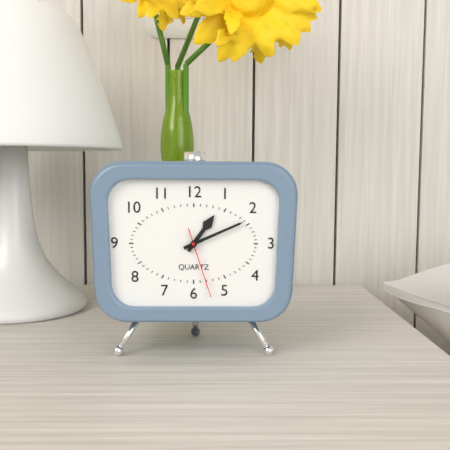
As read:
1,11,27
